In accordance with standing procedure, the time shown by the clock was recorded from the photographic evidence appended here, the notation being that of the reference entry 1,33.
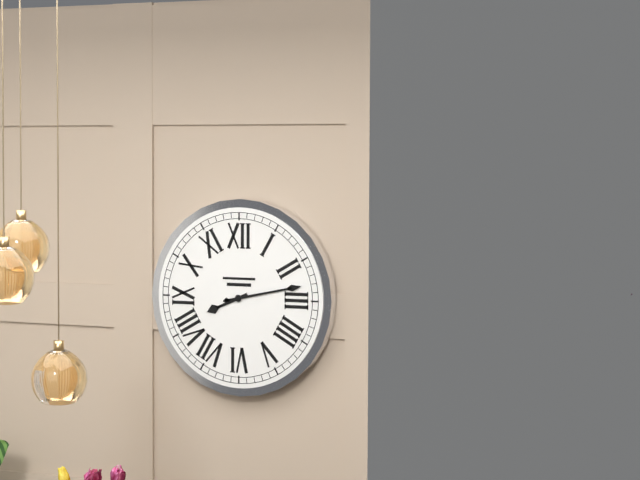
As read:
8,13
